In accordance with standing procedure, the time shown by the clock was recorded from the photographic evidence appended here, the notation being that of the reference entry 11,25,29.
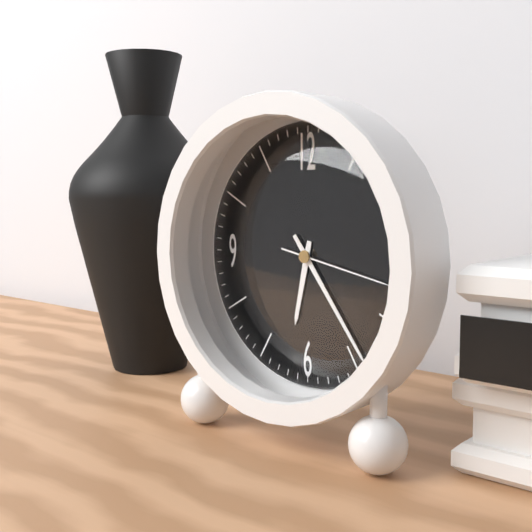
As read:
6,24,17
